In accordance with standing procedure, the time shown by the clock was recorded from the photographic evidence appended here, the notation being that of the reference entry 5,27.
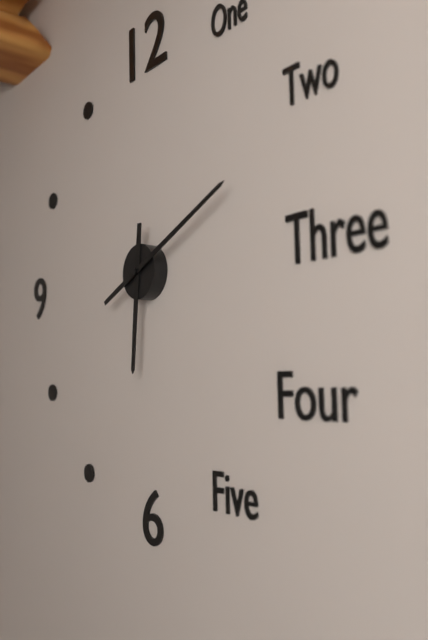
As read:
6,11
